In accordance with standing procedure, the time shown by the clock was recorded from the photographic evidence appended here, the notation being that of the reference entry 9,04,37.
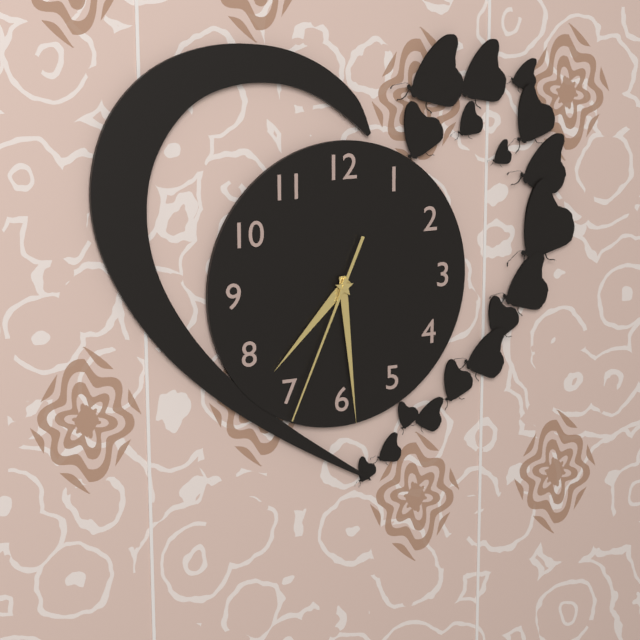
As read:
7,29,34
